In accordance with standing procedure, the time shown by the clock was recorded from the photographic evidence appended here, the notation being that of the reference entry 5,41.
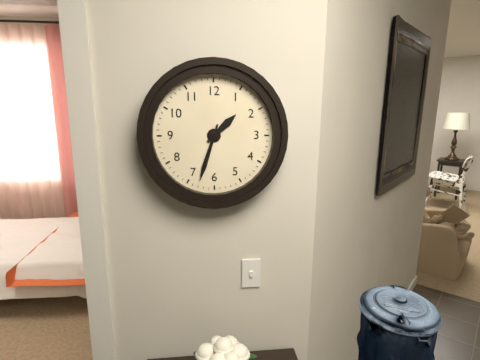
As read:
1,33
